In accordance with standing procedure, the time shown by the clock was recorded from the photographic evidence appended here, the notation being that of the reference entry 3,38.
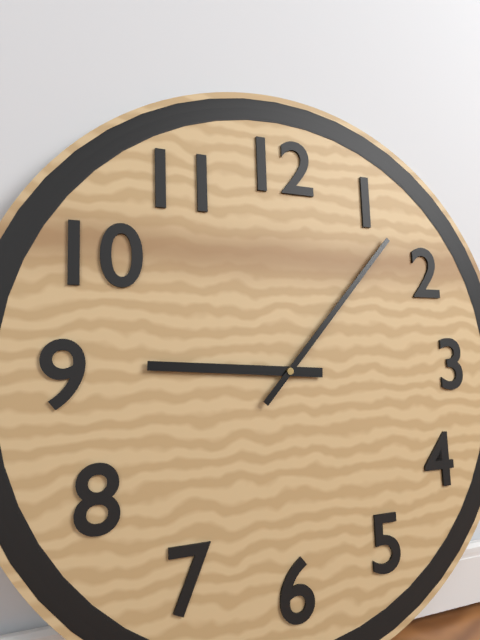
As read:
9,07
